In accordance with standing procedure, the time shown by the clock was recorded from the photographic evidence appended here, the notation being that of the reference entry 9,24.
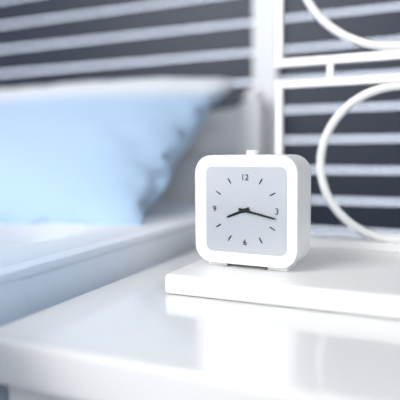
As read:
8,17
